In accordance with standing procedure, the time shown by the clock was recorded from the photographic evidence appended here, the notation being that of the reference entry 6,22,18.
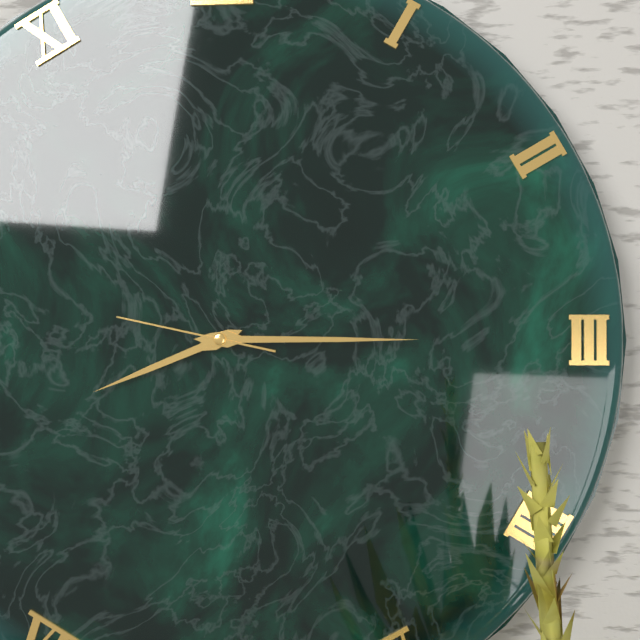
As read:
8,15,47
